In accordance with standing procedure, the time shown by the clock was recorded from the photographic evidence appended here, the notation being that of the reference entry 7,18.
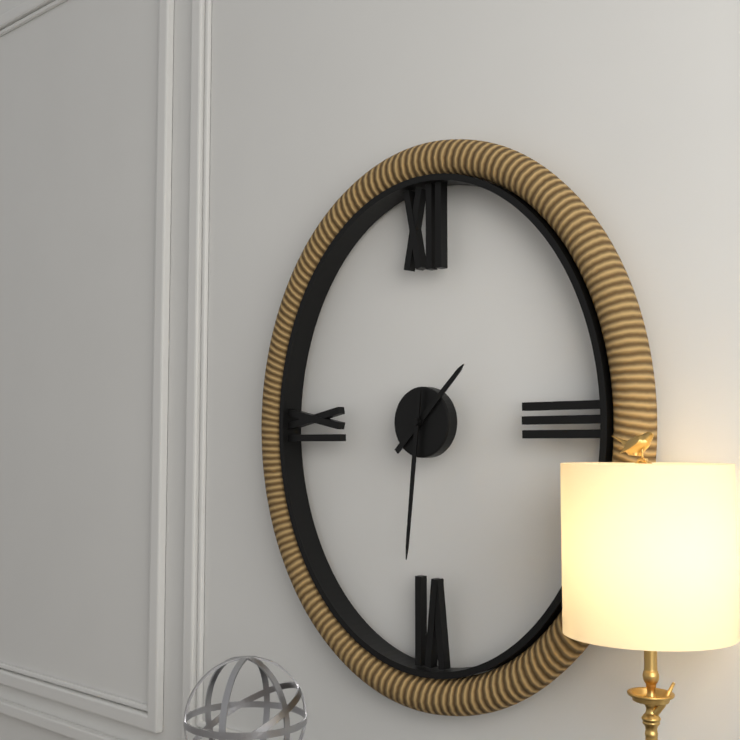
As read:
1,31
